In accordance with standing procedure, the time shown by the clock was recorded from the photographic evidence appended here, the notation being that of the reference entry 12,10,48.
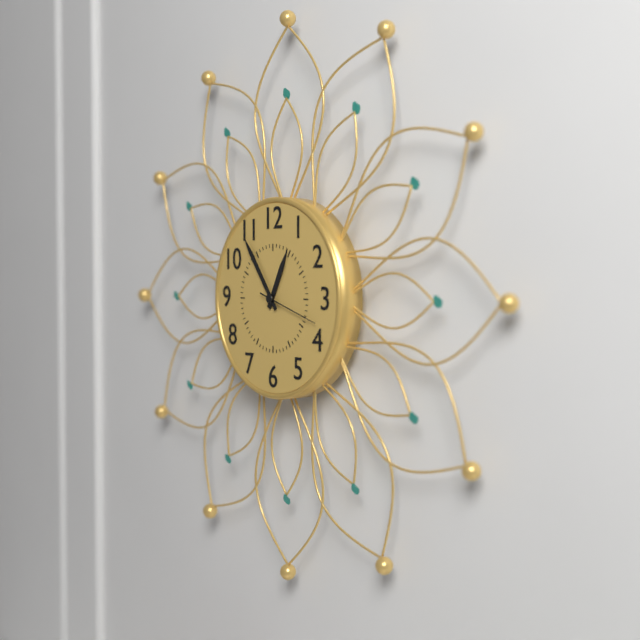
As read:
12,54,18
